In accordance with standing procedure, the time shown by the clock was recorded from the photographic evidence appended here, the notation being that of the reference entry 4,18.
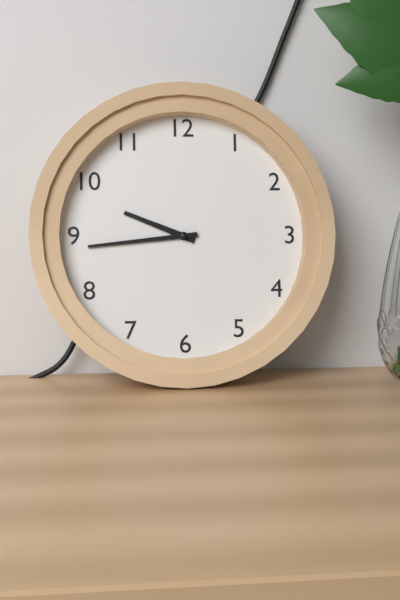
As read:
9,44
